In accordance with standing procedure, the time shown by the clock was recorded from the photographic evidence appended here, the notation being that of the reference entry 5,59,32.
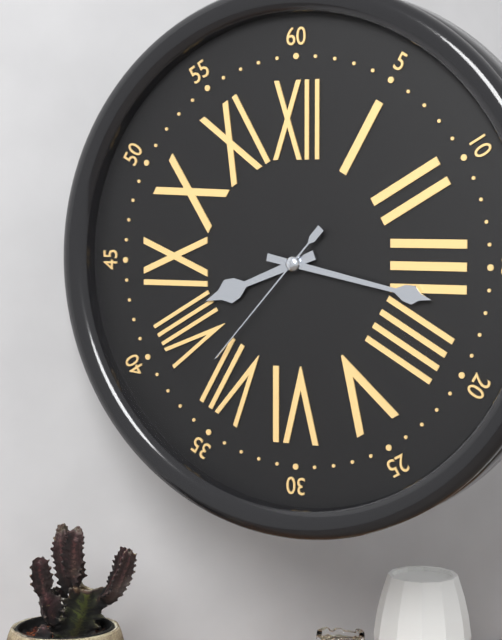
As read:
8,17,37
